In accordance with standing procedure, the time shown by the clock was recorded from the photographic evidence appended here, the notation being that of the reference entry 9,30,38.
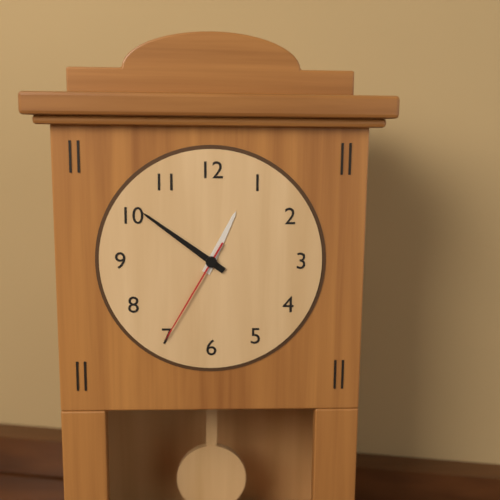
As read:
12,51,35
